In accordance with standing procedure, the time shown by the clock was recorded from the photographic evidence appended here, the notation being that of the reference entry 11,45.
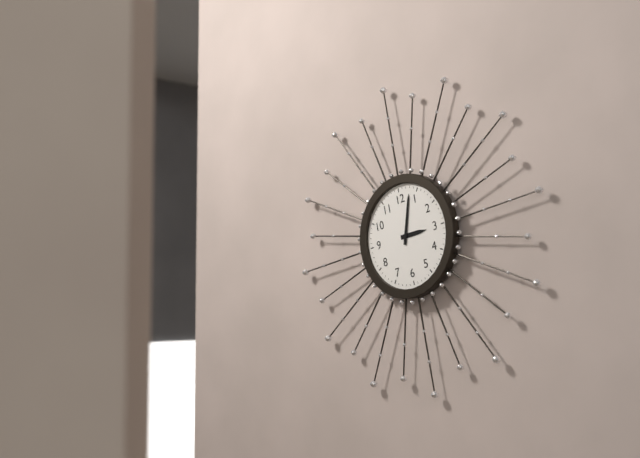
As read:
3,03
